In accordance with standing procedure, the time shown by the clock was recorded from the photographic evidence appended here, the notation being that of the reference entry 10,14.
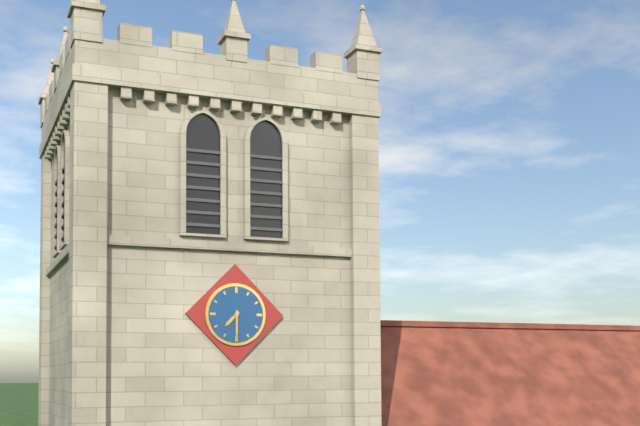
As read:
7,30
